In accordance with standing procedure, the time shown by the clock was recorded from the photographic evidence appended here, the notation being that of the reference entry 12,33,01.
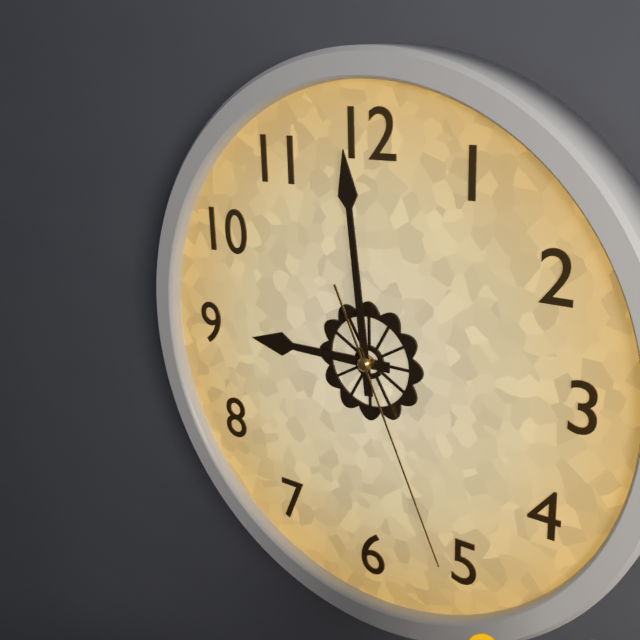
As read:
8,59,26
